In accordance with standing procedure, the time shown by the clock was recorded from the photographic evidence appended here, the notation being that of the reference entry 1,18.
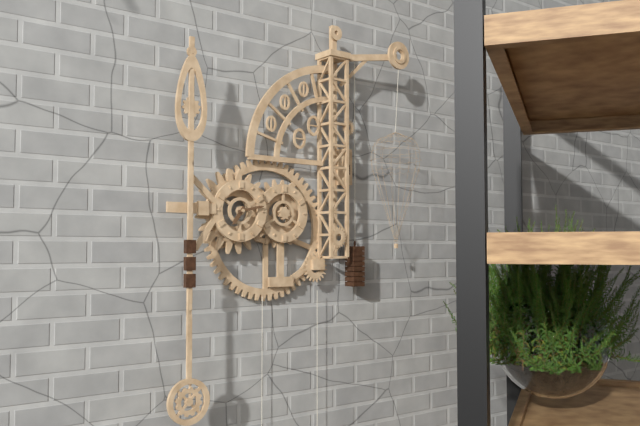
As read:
7,13
